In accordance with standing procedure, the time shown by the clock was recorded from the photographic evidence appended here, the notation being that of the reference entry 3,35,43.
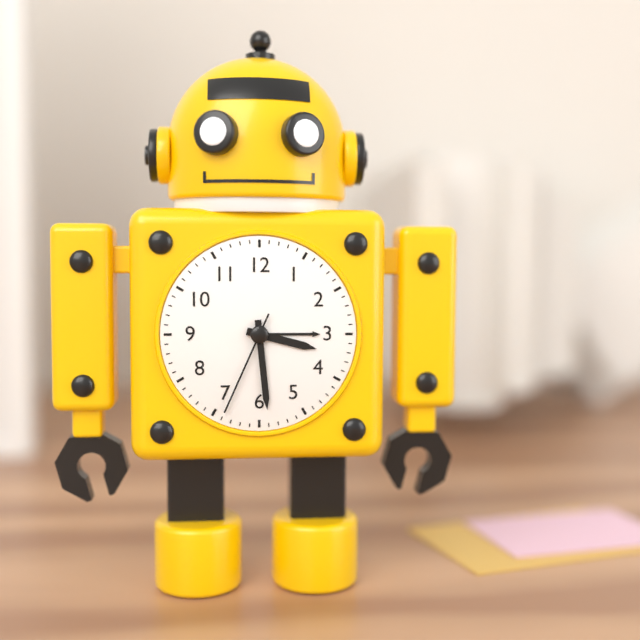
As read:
3,29,34
